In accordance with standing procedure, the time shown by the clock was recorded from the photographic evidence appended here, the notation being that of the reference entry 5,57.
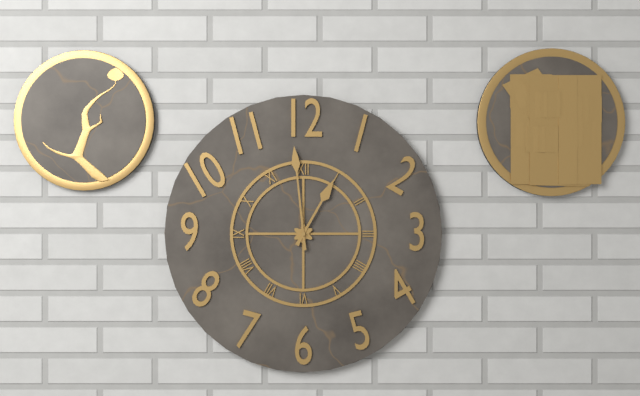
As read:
12,59
